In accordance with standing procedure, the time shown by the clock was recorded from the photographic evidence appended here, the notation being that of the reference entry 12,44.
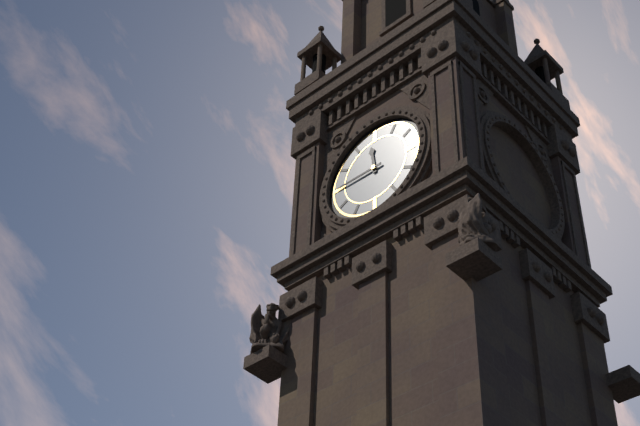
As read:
11,45
